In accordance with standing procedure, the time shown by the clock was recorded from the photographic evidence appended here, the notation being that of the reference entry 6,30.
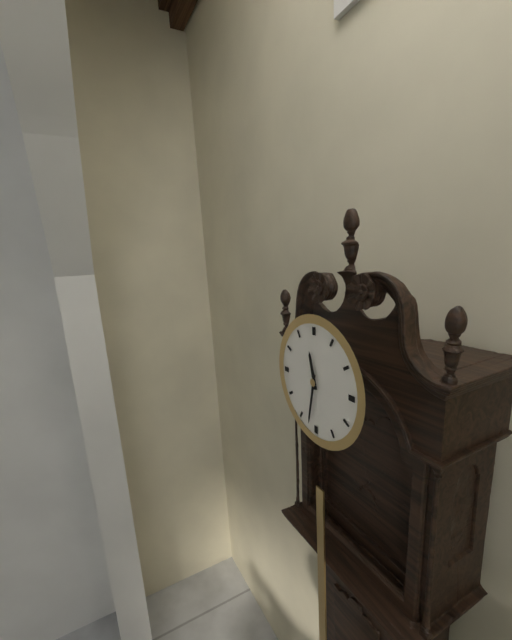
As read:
11,32
